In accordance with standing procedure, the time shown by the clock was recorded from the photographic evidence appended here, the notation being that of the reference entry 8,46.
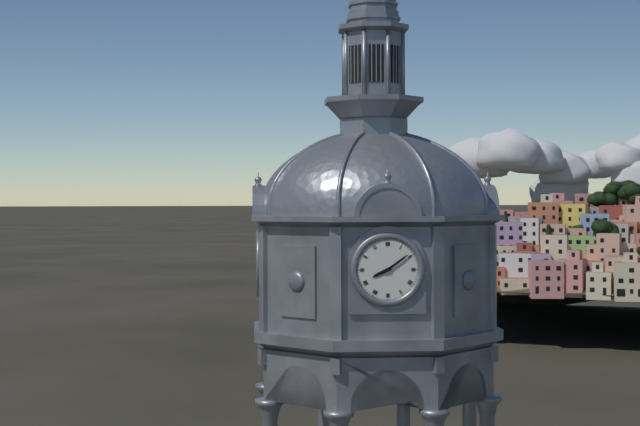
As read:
8,09
